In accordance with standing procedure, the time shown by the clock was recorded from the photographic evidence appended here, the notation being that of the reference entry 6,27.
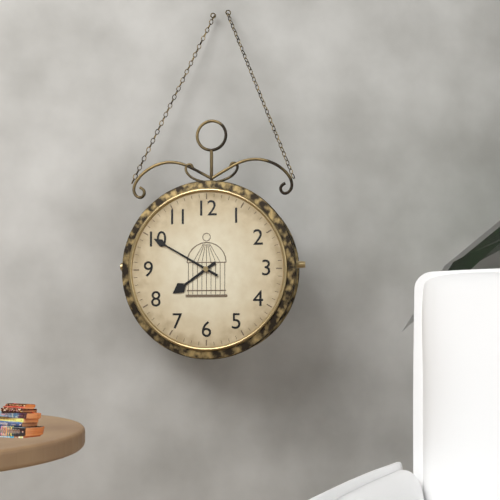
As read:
7,50
